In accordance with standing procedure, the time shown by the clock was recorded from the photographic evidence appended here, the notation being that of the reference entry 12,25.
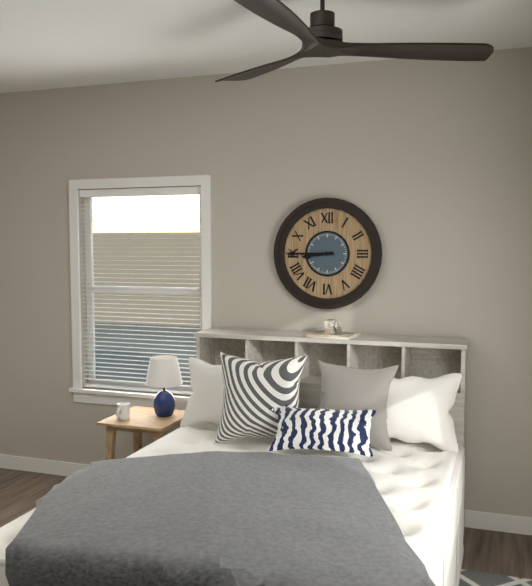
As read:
8,45
